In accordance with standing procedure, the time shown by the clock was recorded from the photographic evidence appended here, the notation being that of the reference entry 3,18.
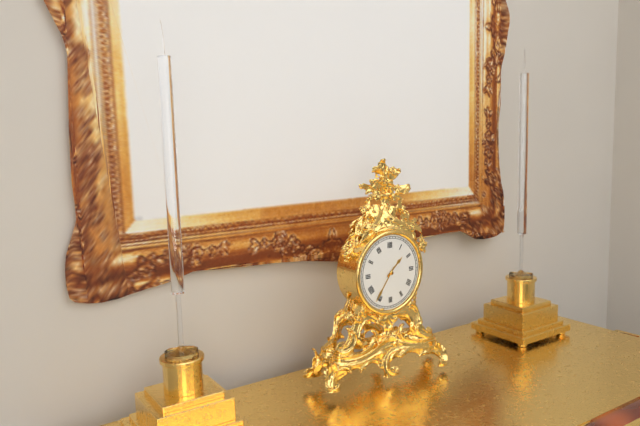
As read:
1,36
